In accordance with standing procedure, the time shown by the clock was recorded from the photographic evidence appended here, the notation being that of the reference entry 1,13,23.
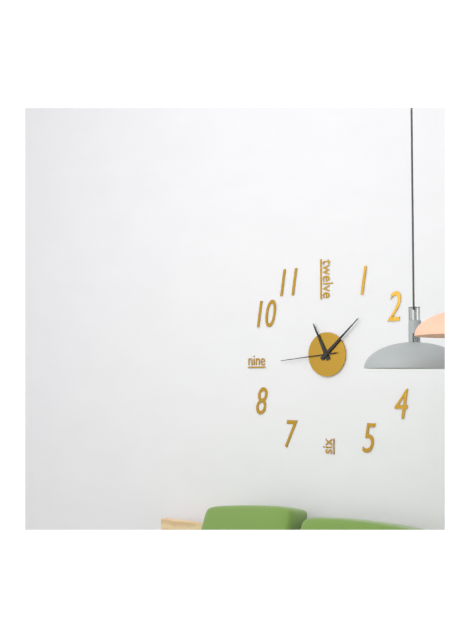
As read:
11,08,44
